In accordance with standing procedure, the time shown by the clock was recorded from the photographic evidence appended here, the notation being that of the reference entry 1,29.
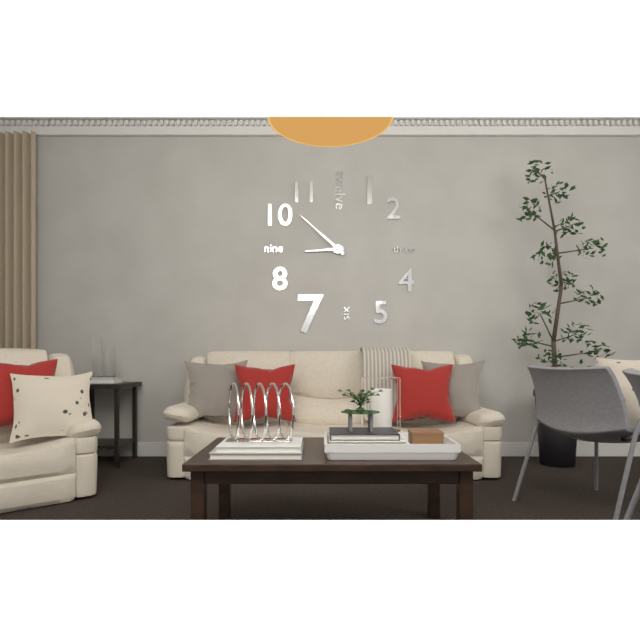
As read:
8,52
